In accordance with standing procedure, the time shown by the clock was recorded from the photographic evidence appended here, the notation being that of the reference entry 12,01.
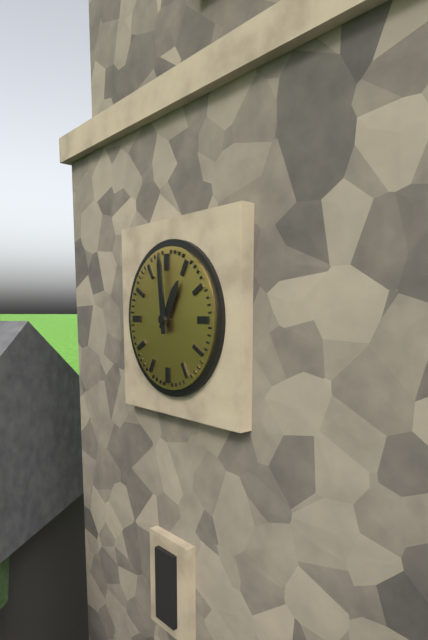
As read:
12,59
